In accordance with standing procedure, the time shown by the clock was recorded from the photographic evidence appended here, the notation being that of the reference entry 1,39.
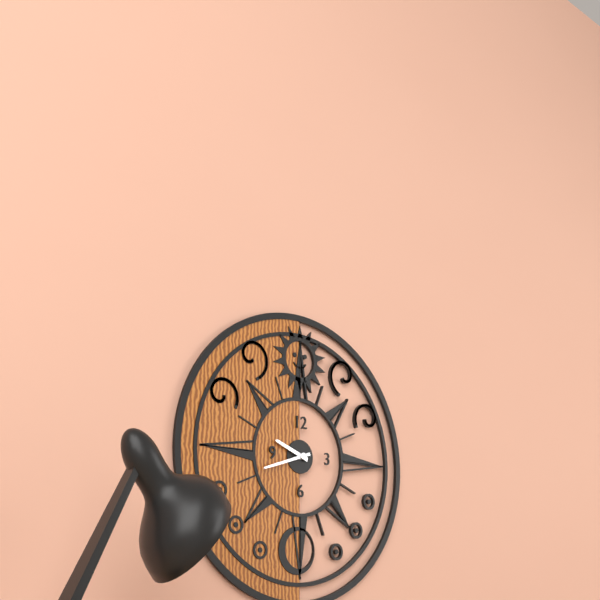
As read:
9,42
